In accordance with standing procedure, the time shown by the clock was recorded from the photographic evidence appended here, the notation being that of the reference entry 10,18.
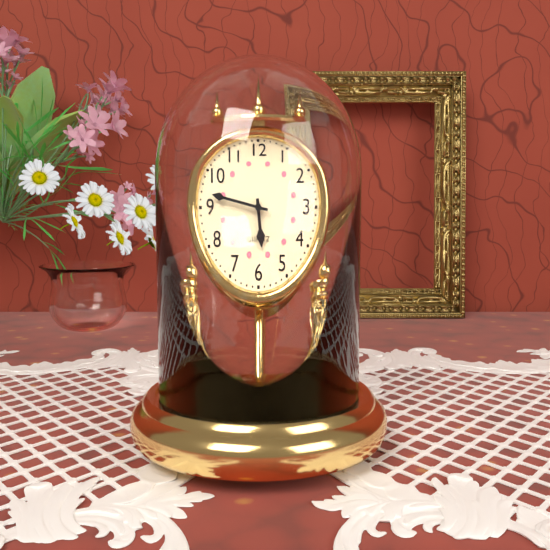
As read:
5,47
